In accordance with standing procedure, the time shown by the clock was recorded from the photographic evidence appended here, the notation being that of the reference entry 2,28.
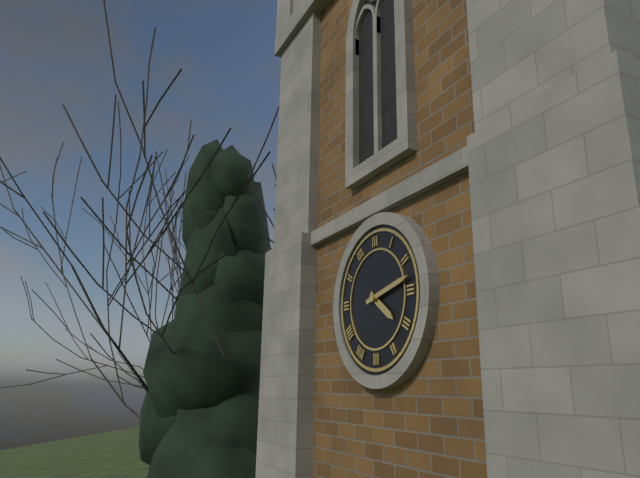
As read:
4,13
